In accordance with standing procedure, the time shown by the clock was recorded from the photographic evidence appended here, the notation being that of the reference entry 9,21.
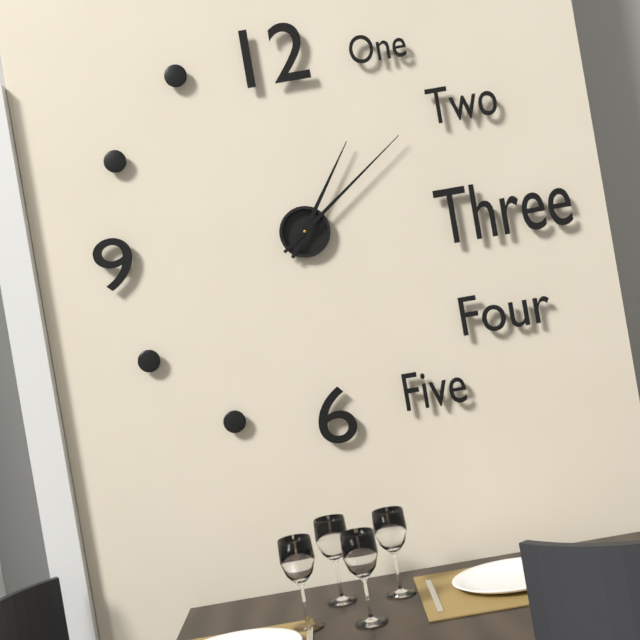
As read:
1,09
